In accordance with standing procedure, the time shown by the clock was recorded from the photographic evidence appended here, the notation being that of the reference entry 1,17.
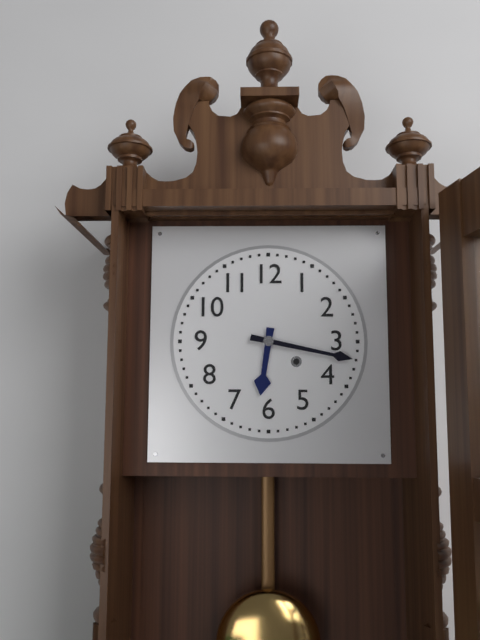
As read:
6,17
